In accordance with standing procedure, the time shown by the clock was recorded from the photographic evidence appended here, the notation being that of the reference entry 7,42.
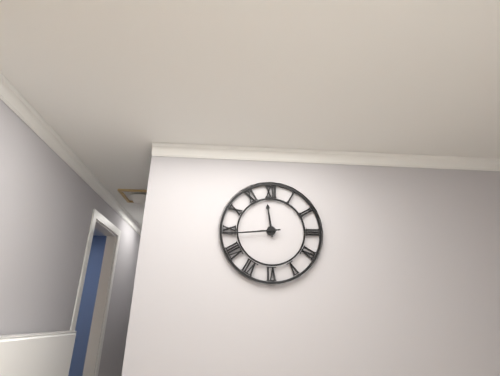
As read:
11,44
